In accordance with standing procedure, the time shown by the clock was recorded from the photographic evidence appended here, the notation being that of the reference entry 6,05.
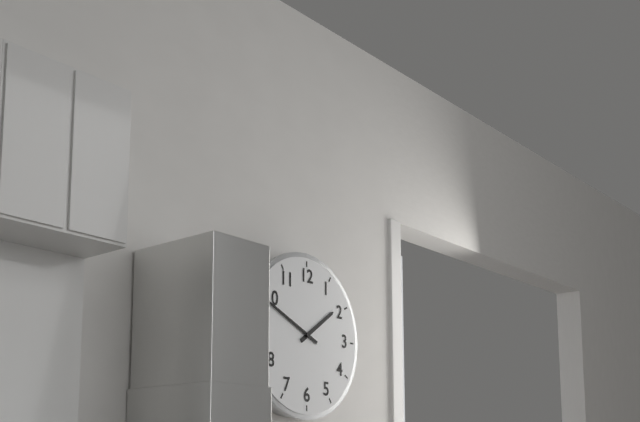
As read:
1,49
